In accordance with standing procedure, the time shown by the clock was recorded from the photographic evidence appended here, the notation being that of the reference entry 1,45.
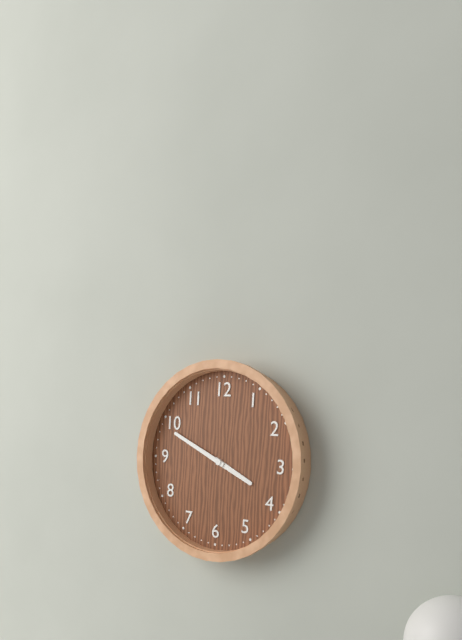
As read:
3,49
